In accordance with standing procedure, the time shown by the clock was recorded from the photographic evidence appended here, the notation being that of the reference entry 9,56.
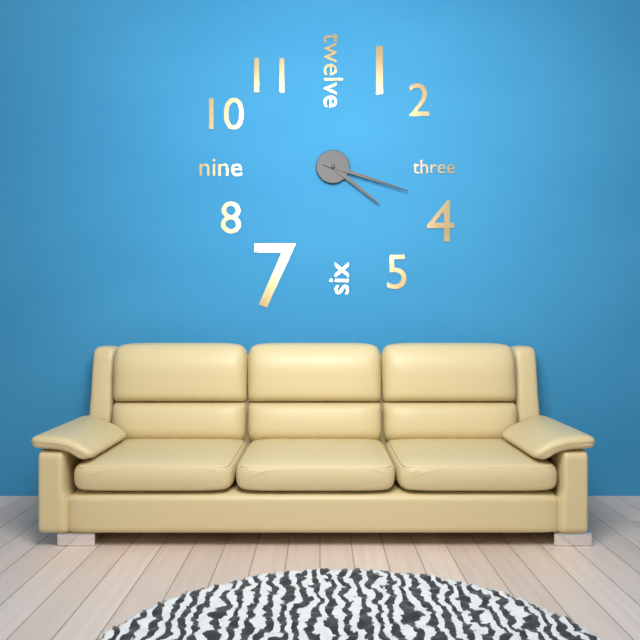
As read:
4,18
